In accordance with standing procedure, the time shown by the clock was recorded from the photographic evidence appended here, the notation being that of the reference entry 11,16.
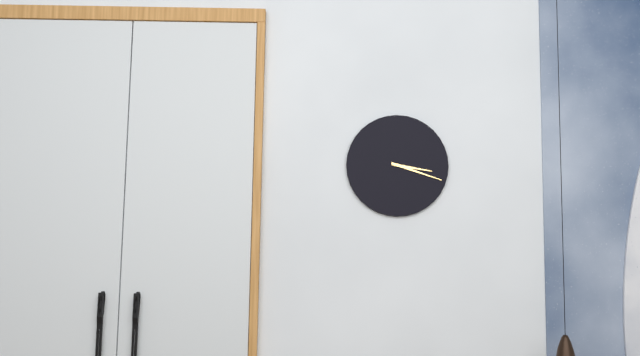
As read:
3,18
